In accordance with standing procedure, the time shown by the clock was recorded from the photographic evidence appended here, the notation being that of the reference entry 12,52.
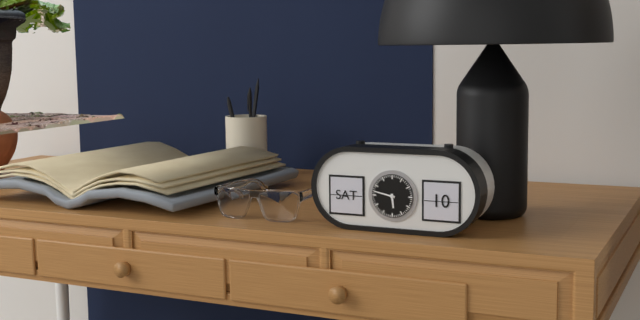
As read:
5,47
